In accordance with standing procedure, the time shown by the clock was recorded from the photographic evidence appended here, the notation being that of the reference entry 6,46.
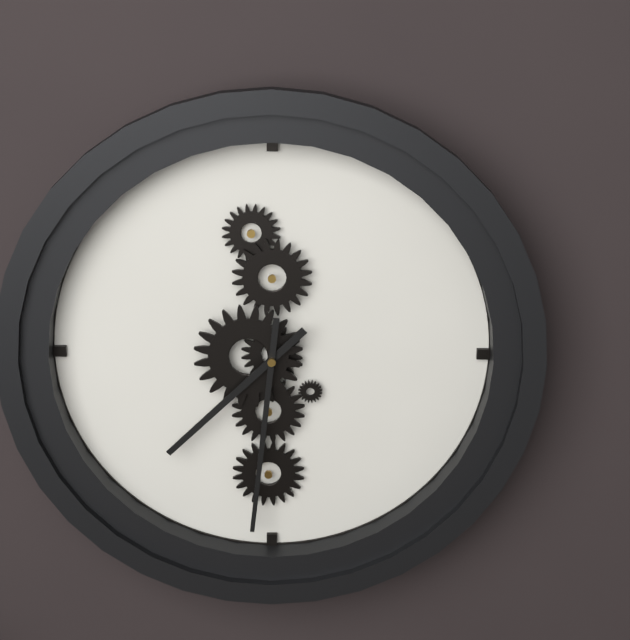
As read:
7,31
